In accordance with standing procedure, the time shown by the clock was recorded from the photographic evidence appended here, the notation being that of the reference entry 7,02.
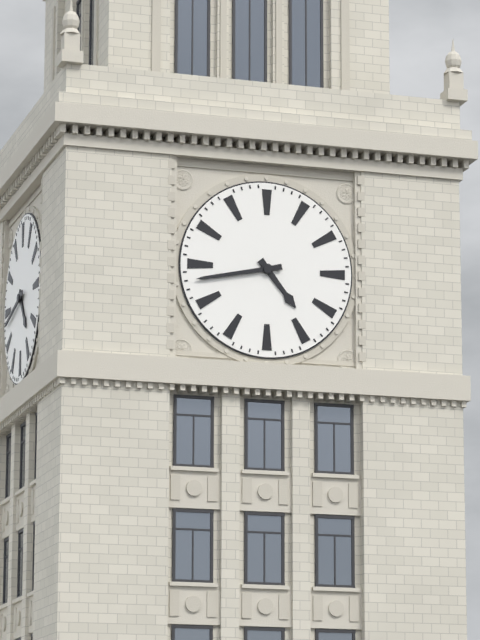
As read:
4,43
